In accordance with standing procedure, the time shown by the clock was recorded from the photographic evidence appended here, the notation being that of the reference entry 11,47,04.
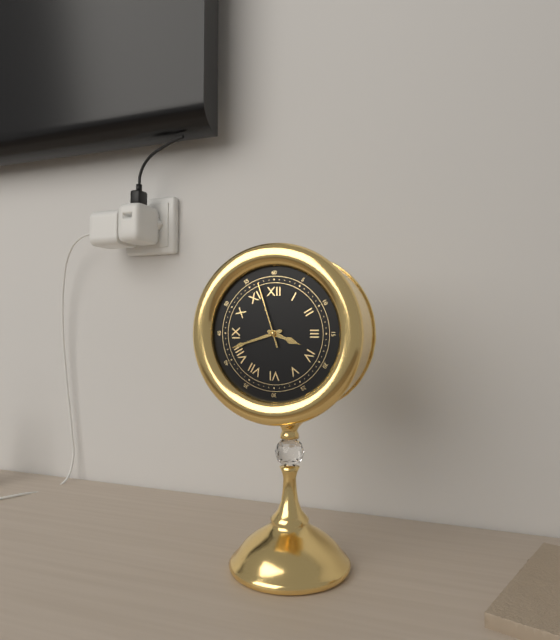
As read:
3,42,57
